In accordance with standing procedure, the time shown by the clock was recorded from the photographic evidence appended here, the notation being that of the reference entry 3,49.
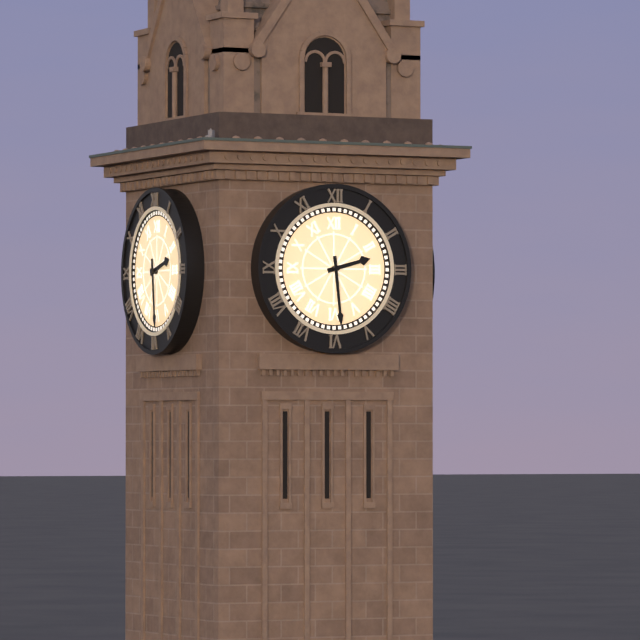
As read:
2,29
